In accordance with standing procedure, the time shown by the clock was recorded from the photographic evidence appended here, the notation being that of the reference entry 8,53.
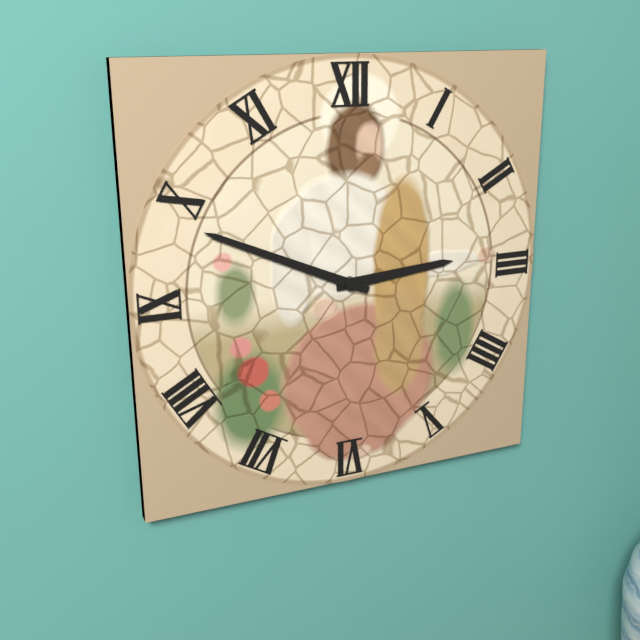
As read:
2,49
